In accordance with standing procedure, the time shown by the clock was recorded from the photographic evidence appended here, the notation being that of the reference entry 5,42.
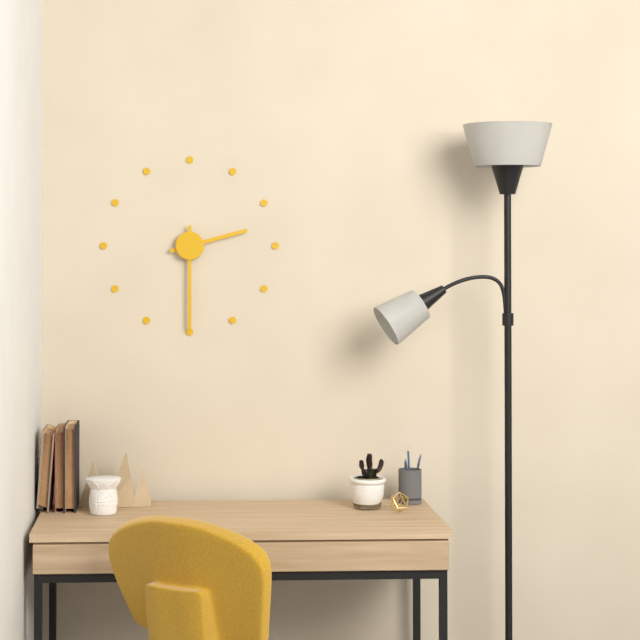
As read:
2,30
